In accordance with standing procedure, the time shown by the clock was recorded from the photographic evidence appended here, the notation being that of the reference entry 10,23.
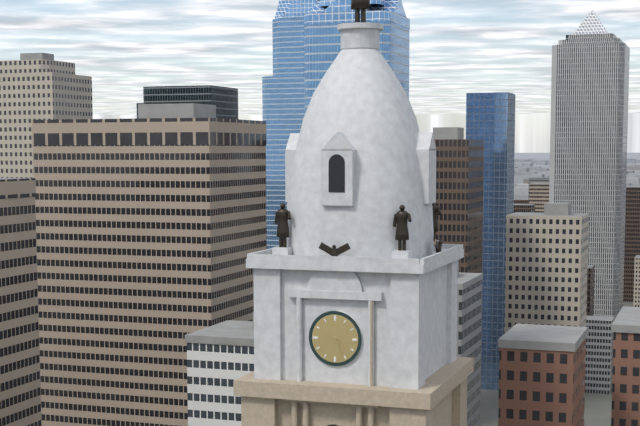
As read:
4,26
